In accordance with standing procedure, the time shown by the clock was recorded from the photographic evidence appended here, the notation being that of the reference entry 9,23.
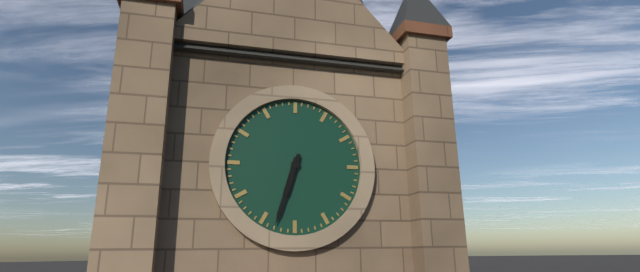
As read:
6,33
